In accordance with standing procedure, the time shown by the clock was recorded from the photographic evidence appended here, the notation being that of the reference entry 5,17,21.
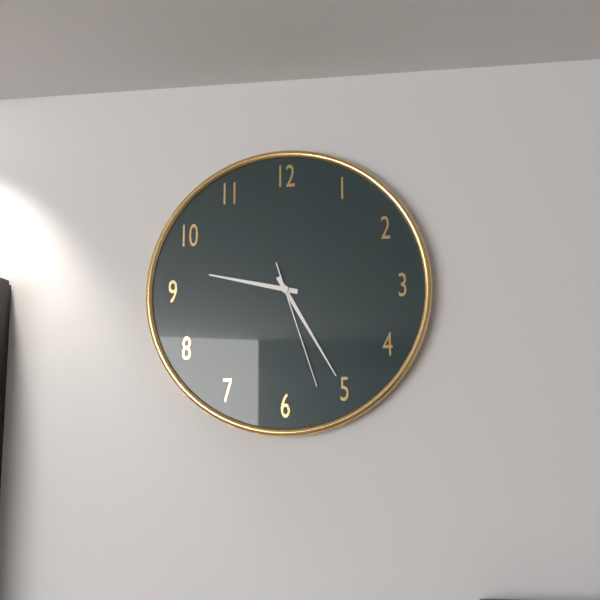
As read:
9,25,27
